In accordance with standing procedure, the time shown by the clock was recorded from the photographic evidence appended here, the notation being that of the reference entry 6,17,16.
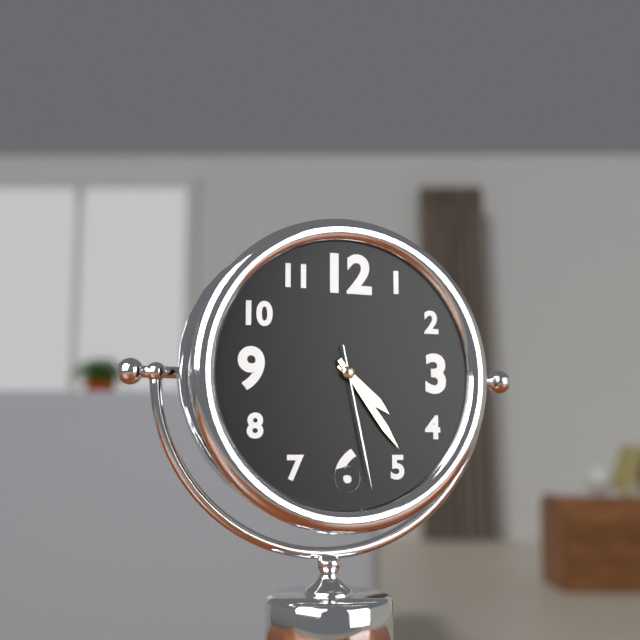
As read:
4,24,28
